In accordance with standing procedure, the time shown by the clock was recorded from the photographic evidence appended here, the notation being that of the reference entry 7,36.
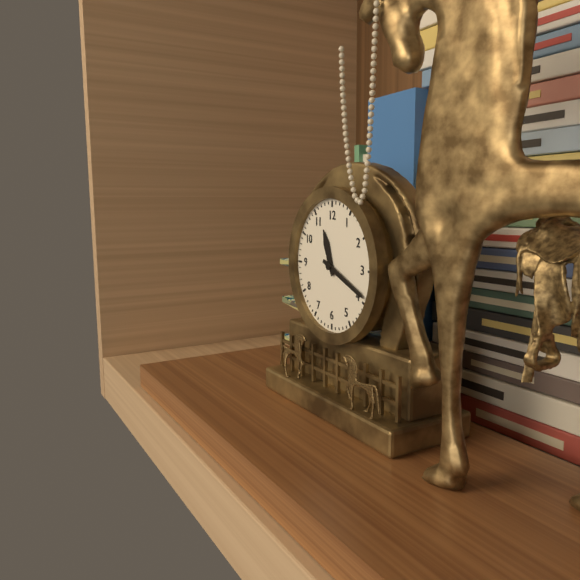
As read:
11,19
